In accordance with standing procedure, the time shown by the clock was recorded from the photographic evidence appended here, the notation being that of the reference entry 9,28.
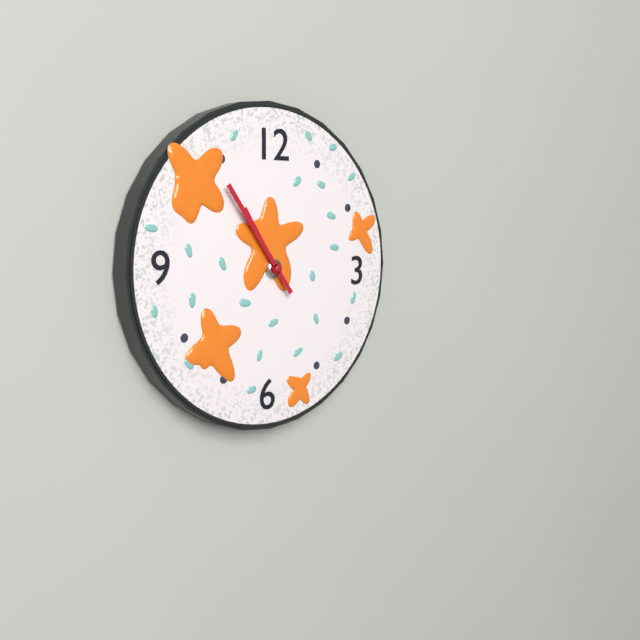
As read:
10,54
